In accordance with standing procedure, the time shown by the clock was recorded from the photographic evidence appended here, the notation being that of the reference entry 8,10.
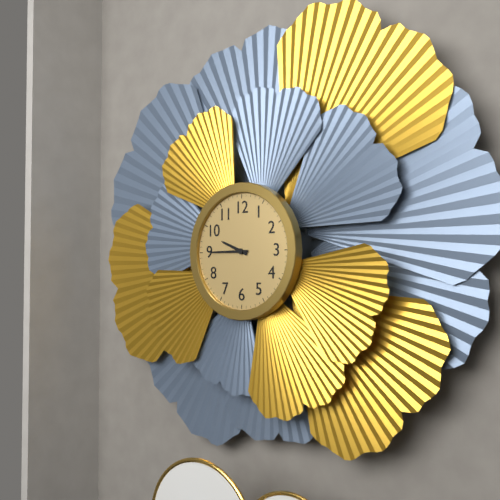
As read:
9,45
